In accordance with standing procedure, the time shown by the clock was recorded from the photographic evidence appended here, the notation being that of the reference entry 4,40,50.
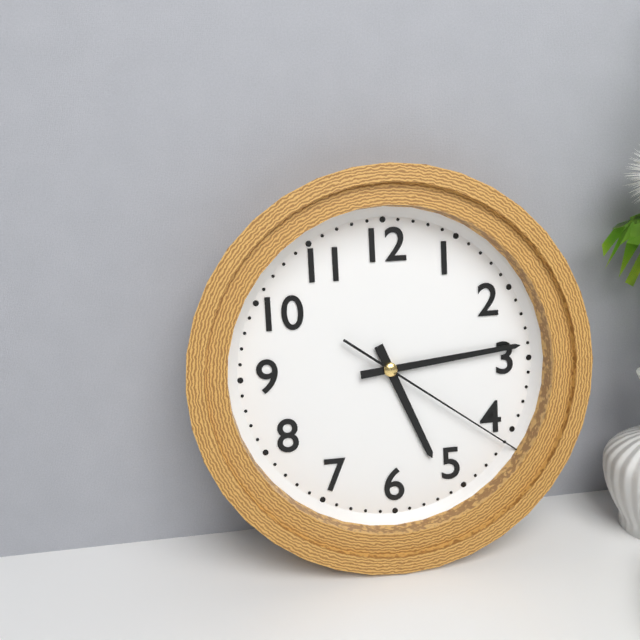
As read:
5,14,21
